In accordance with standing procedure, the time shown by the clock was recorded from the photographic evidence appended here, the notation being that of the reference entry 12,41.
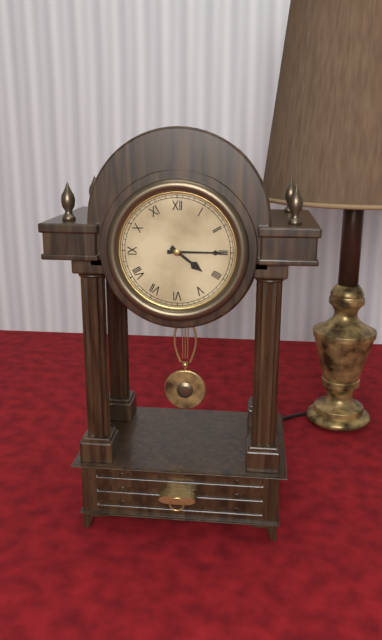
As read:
4,15
